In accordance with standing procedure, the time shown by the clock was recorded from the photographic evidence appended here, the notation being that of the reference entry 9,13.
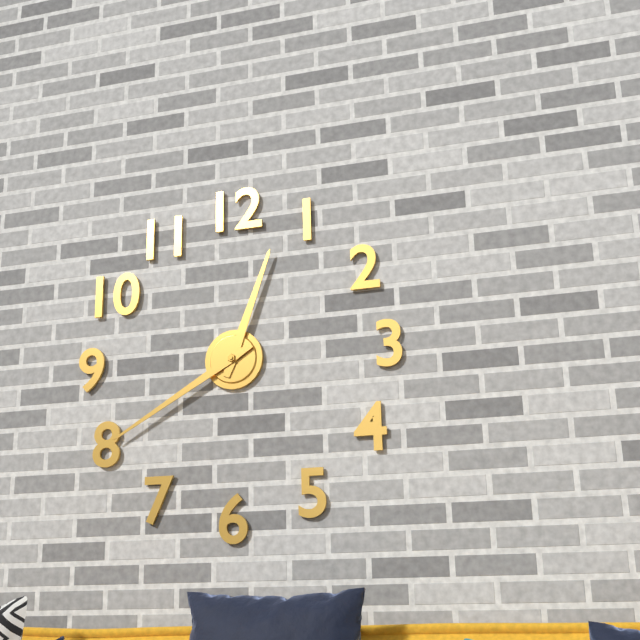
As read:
12,40
